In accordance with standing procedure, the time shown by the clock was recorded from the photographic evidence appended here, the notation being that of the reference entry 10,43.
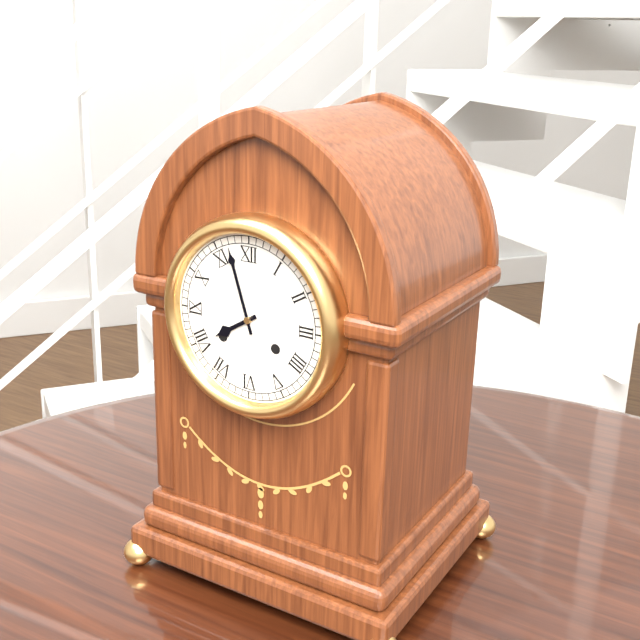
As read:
7,57
